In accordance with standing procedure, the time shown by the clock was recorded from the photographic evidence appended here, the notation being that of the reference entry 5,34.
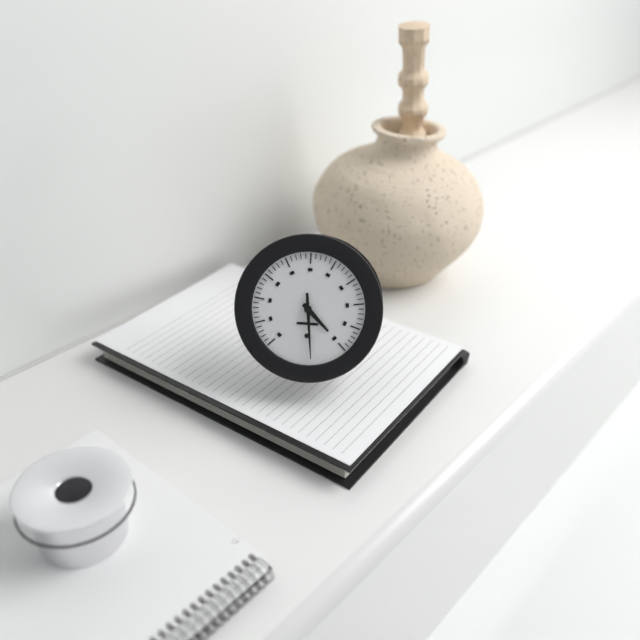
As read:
4,29
